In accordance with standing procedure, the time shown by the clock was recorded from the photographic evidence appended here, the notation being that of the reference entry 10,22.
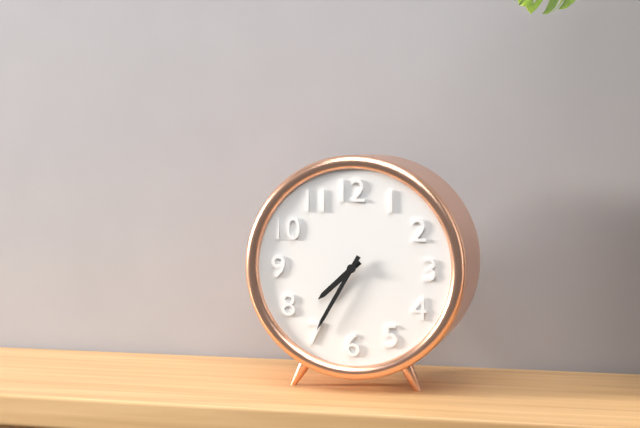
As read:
7,35
